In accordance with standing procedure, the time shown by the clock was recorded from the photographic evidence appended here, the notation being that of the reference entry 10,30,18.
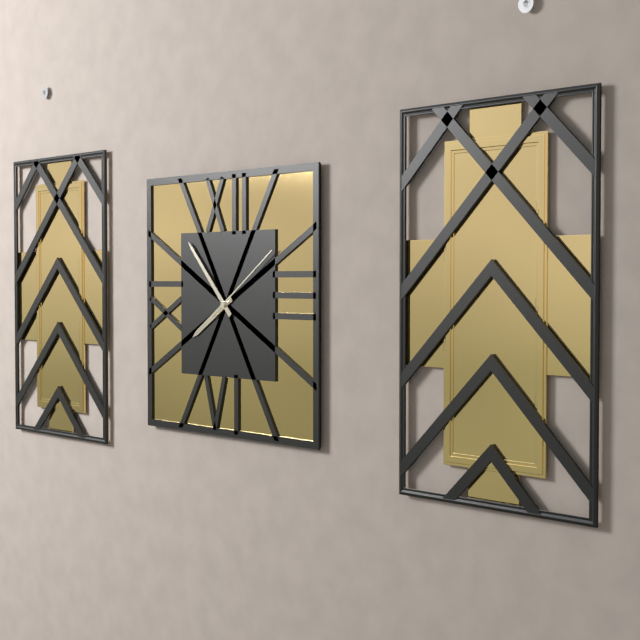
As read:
7,53,09
